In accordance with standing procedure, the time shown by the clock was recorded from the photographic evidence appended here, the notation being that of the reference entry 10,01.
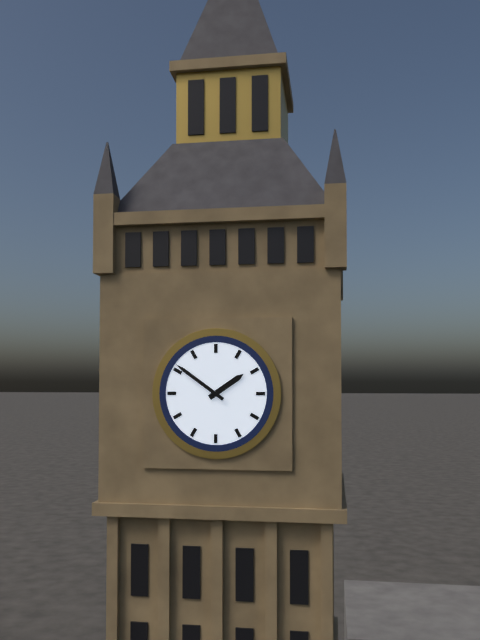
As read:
1,51
